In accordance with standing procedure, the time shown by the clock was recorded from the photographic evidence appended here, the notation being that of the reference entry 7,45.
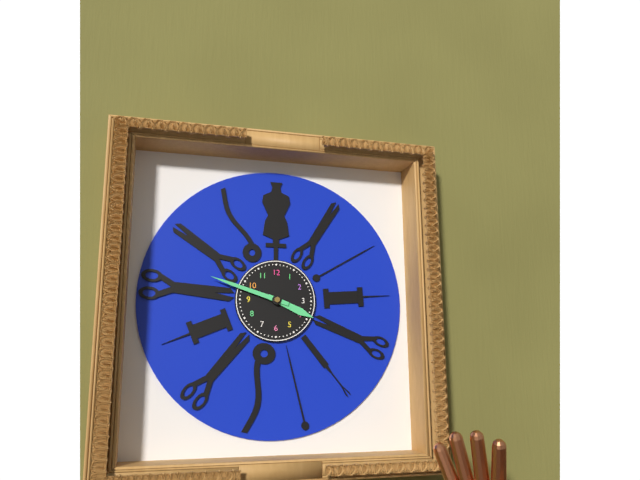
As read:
3,48
